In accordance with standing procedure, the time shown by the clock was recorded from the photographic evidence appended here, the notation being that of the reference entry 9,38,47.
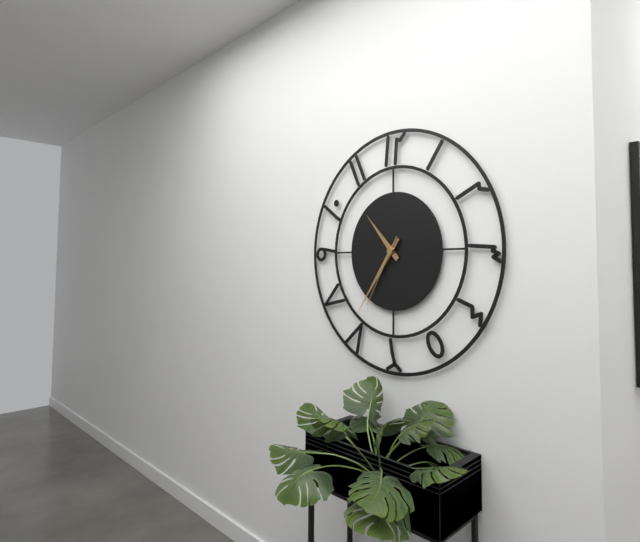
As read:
10,36,35
